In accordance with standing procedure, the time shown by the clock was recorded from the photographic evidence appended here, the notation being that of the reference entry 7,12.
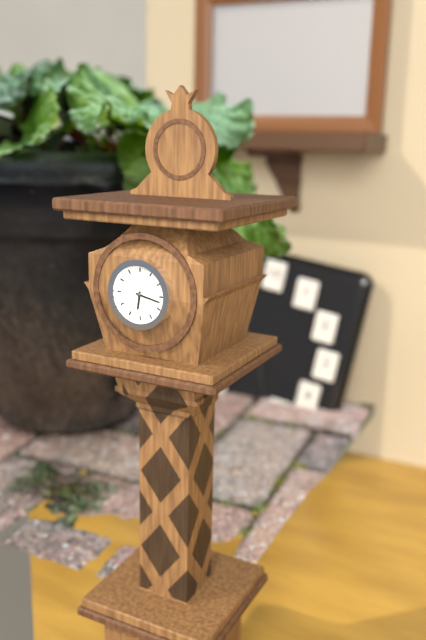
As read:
6,17
